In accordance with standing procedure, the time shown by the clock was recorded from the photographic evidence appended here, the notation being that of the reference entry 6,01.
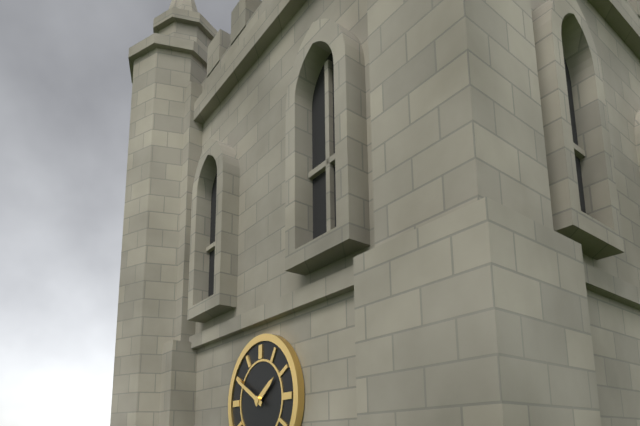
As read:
1,50
